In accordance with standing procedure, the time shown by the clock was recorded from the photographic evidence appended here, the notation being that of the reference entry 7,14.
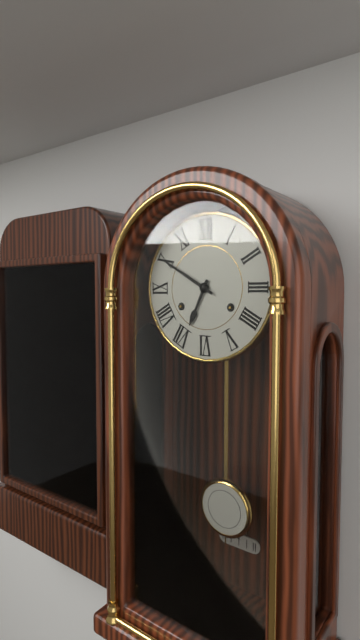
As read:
6,50
